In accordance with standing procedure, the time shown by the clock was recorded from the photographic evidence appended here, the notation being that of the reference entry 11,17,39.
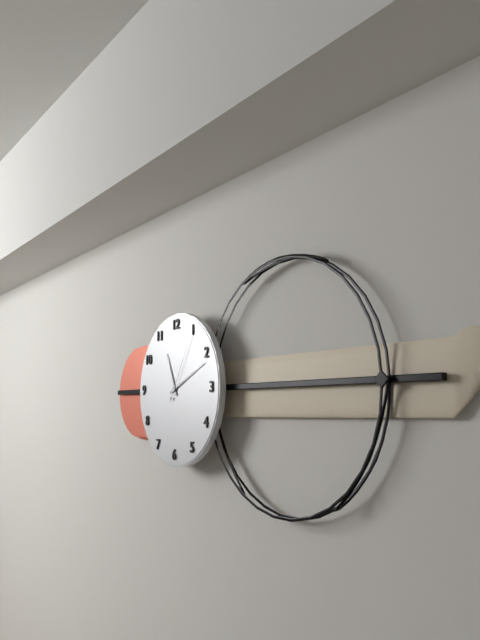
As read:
11,11,05
